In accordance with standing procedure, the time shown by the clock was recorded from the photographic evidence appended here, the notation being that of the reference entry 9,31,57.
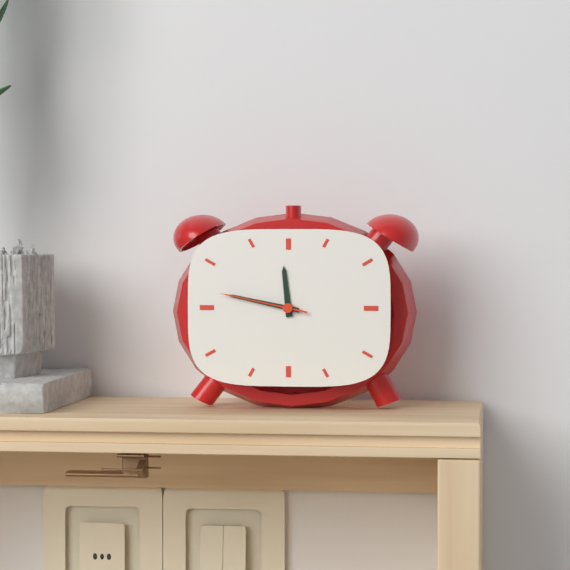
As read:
11,47,47
